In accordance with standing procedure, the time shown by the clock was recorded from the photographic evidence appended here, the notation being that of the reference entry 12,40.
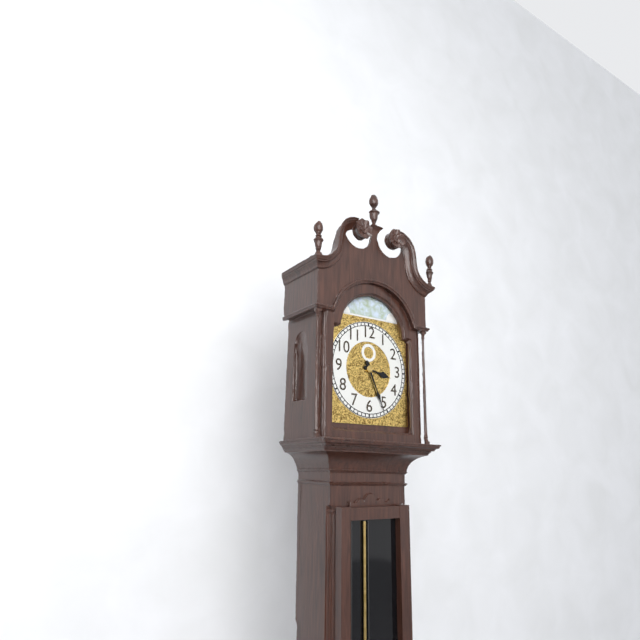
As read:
3,26
